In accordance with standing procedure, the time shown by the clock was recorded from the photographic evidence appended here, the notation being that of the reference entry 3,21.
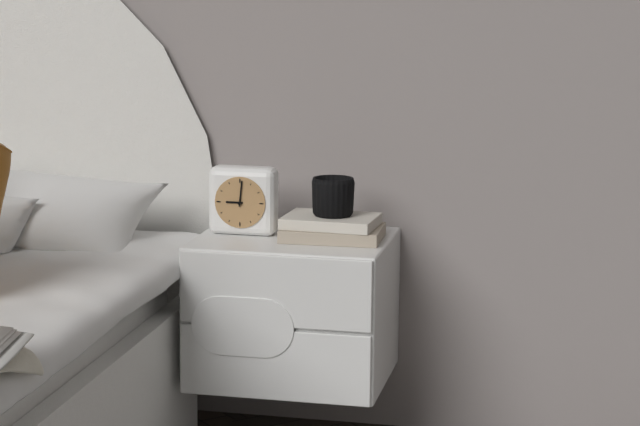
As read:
9,01
